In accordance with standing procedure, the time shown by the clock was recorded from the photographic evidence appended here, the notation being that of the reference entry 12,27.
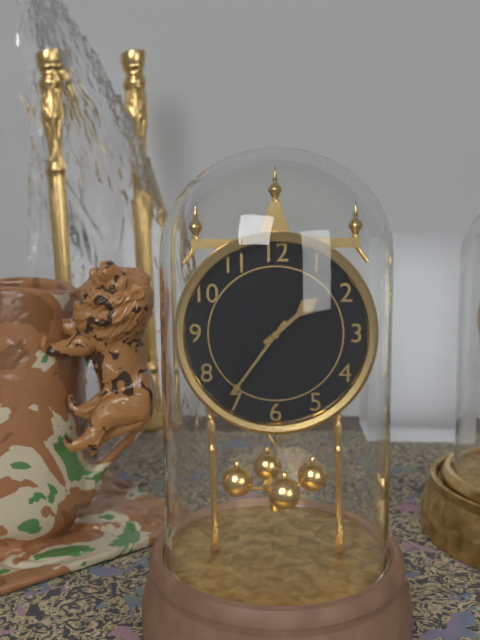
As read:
1,36
